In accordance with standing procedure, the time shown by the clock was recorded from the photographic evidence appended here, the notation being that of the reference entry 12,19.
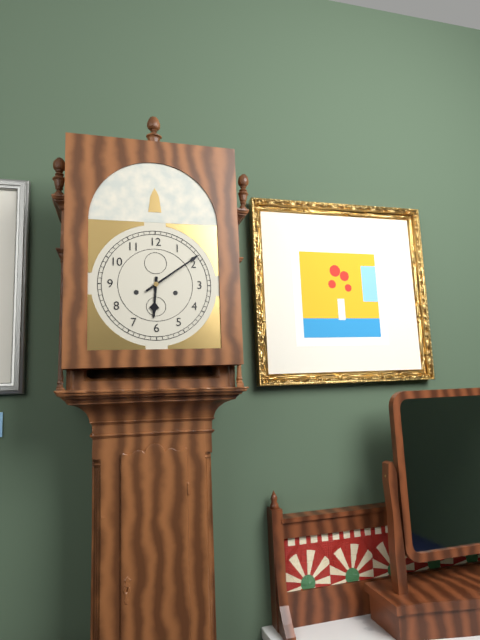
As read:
6,09
